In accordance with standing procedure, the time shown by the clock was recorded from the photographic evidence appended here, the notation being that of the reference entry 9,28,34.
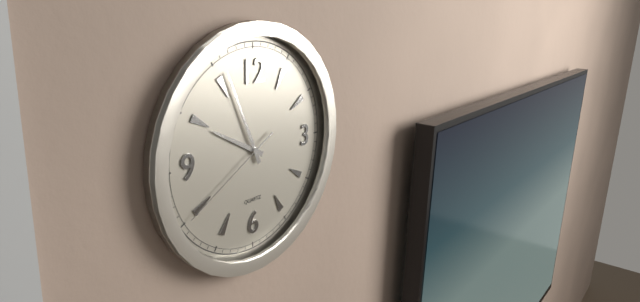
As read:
9,56,40
